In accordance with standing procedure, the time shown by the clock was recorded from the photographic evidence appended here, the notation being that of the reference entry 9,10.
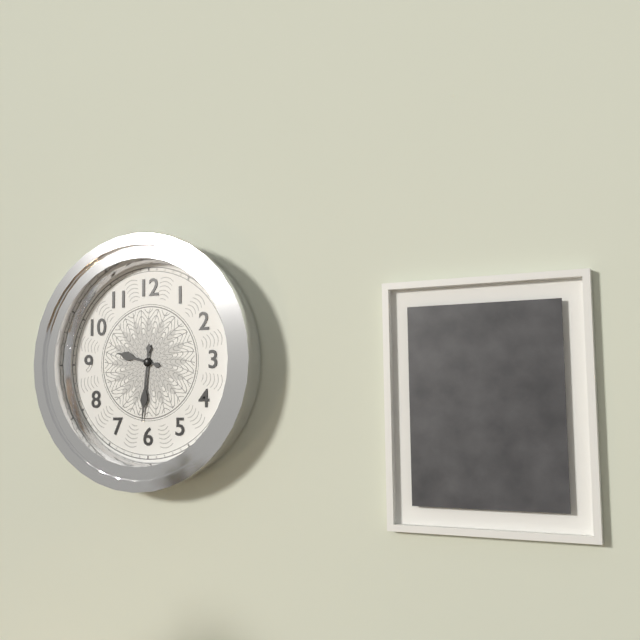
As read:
9,31
